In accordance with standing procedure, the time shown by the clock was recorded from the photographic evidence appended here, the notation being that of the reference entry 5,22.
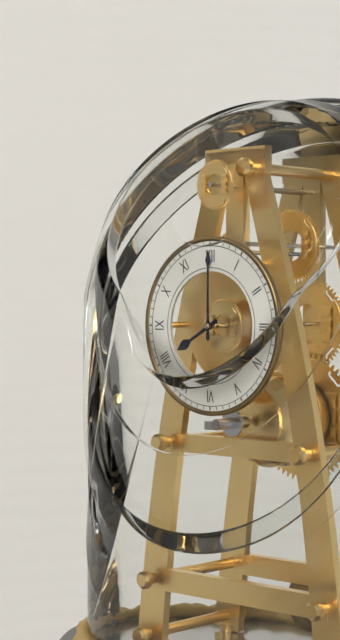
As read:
8,00
